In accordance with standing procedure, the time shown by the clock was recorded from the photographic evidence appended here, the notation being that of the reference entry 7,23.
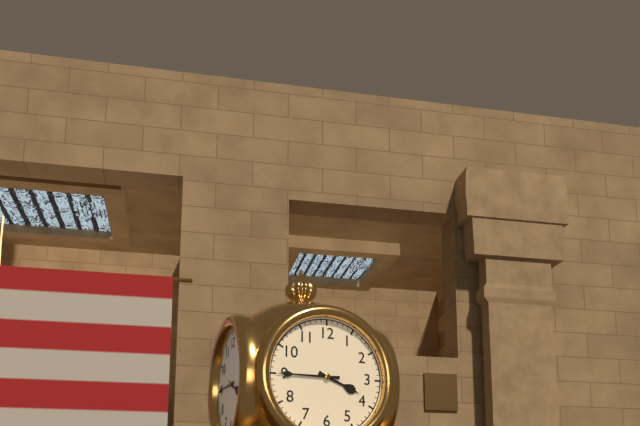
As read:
3,45
